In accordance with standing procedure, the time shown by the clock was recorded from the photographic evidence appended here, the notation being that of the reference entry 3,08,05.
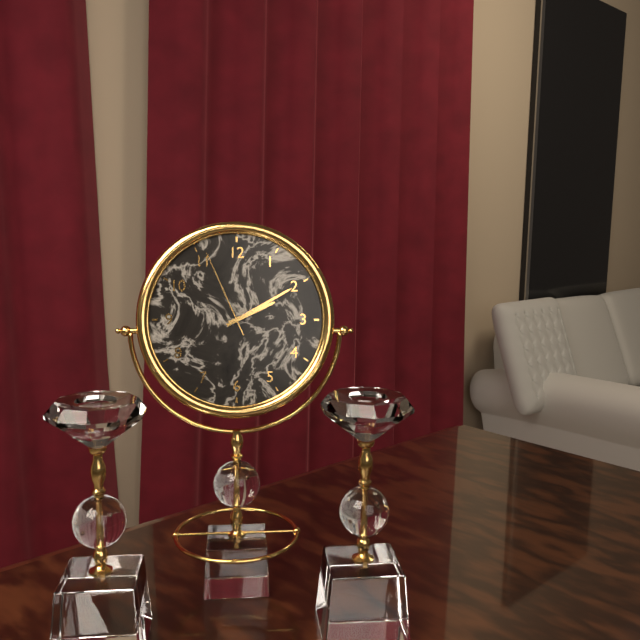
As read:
2,10,56
